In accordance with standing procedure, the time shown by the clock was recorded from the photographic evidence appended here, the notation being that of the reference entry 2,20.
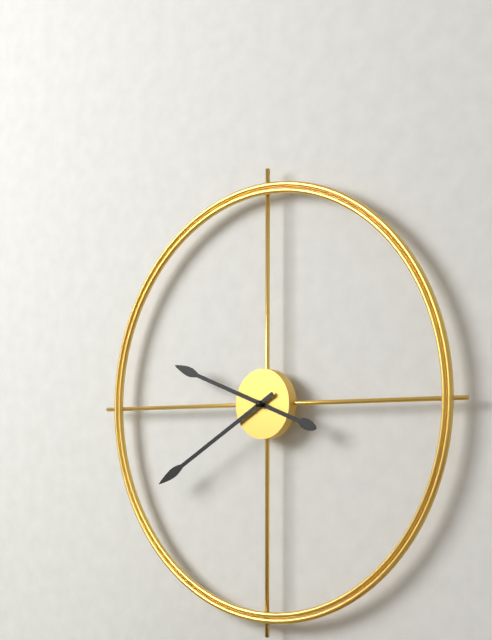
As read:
9,40
